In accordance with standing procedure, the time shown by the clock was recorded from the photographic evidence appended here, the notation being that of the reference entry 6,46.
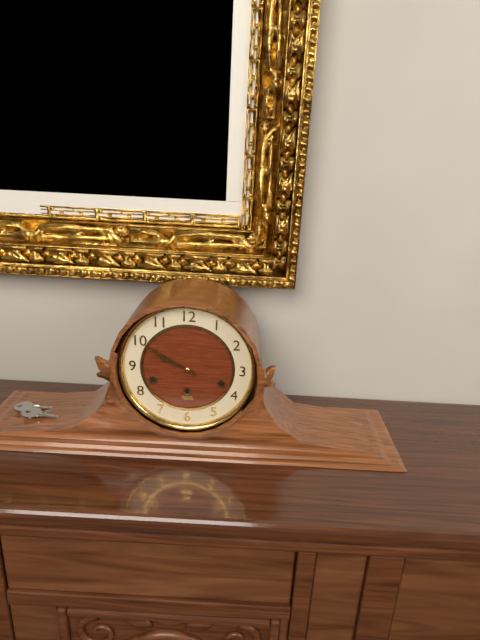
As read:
9,50
